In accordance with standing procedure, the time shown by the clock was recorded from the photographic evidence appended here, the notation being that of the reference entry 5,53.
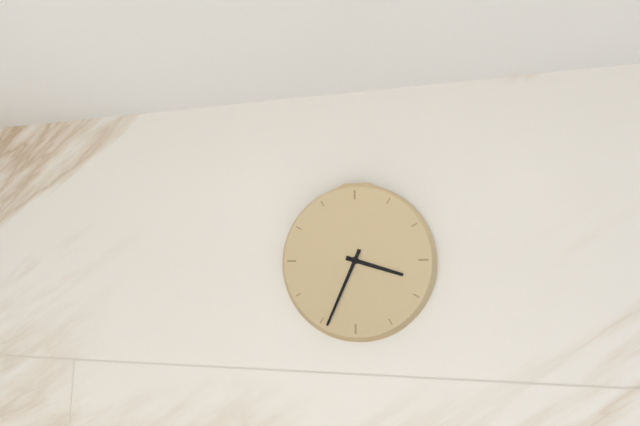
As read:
3,34
